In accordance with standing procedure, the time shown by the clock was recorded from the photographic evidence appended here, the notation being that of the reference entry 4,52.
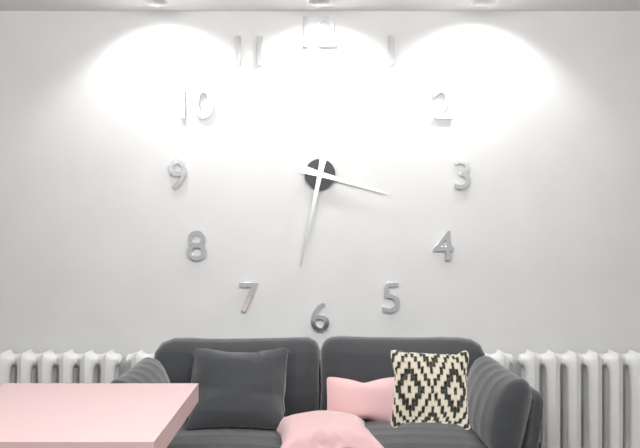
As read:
3,32
